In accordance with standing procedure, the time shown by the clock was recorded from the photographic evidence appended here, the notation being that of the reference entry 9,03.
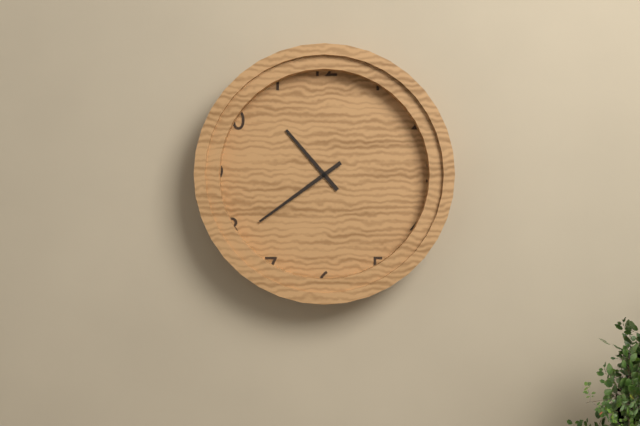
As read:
10,39
